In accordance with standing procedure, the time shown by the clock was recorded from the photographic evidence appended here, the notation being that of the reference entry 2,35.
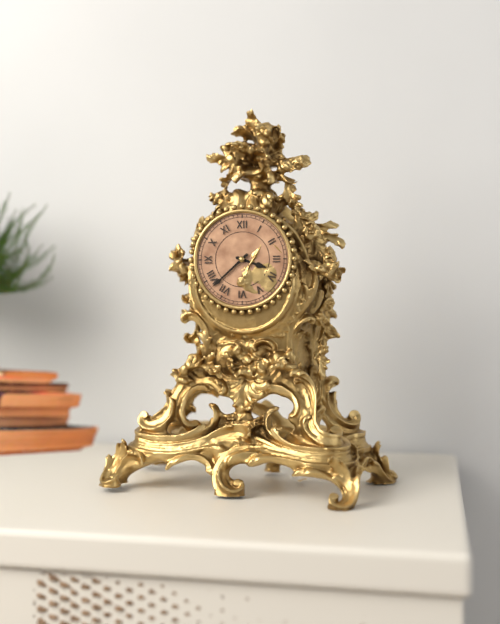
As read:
3,38
